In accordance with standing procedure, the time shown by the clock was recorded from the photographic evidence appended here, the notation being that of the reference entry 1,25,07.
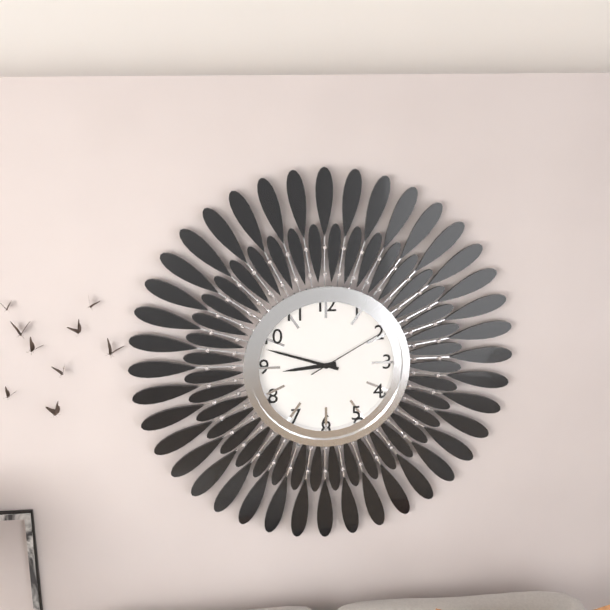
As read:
8,48,10
